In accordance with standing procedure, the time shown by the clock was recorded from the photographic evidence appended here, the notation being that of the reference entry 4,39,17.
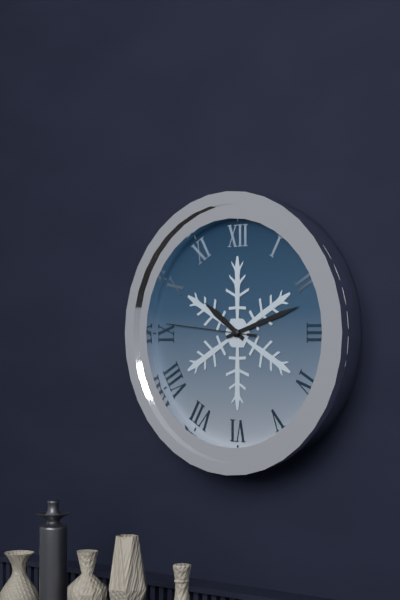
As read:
10,12,46
